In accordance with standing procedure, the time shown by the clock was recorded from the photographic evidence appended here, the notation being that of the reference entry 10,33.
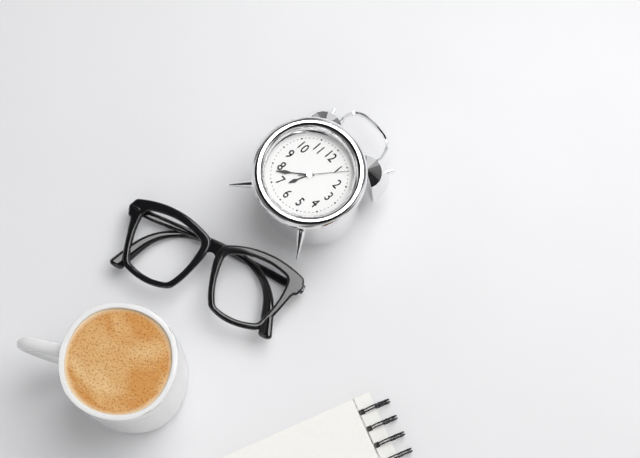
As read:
6,38
